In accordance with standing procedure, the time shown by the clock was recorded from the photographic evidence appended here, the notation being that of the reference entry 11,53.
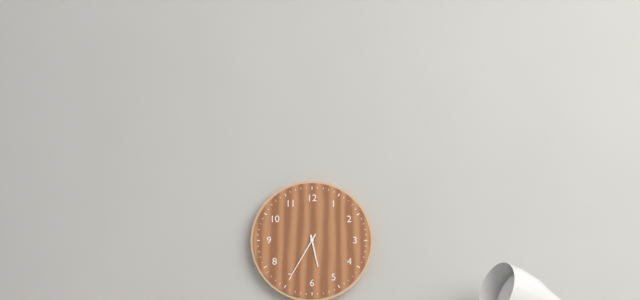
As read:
5,35
